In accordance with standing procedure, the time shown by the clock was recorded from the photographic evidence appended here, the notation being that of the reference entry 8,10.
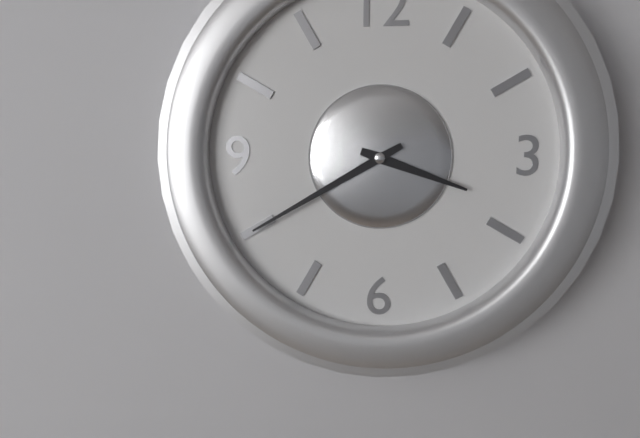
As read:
3,40
